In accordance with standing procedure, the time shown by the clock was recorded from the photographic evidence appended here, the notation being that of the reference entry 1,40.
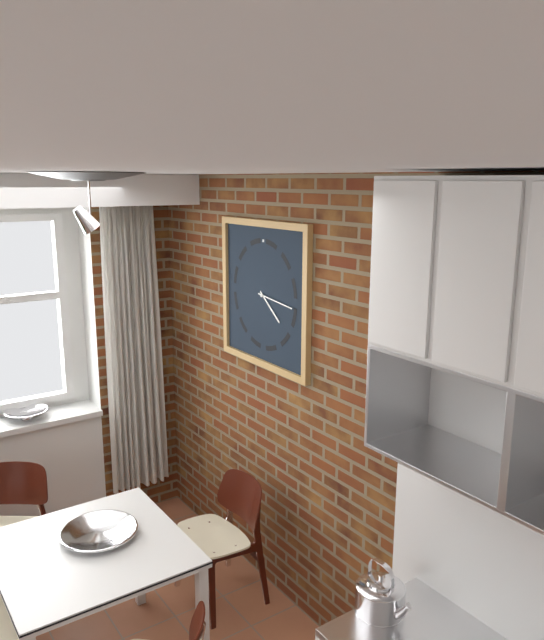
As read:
4,16
